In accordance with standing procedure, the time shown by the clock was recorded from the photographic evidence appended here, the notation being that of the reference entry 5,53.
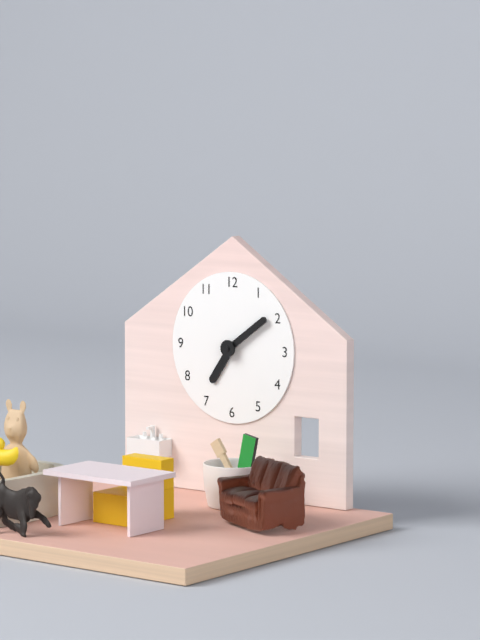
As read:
7,09
